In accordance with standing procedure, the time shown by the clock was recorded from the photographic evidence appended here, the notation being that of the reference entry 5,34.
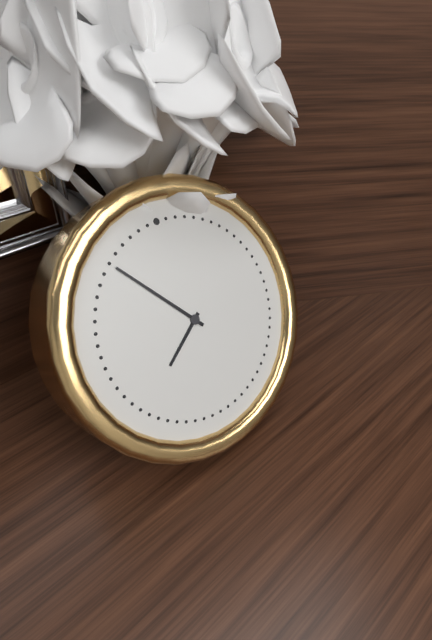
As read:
7,54
